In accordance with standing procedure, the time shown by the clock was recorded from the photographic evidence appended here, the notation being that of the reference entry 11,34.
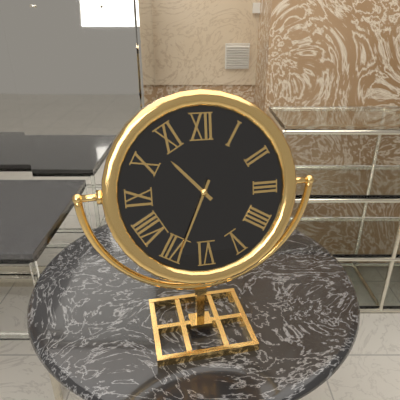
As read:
10,34
